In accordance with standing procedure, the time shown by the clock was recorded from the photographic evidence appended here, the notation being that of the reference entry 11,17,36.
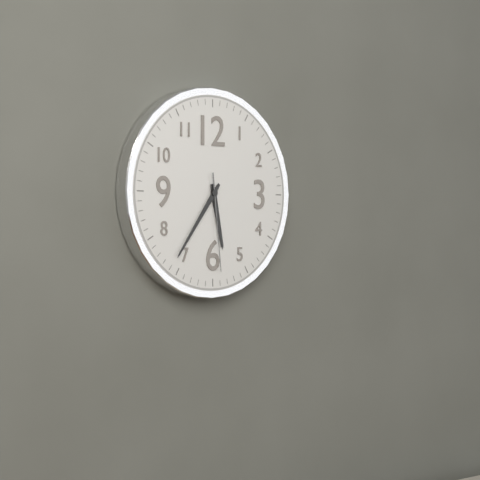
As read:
5,36,29
